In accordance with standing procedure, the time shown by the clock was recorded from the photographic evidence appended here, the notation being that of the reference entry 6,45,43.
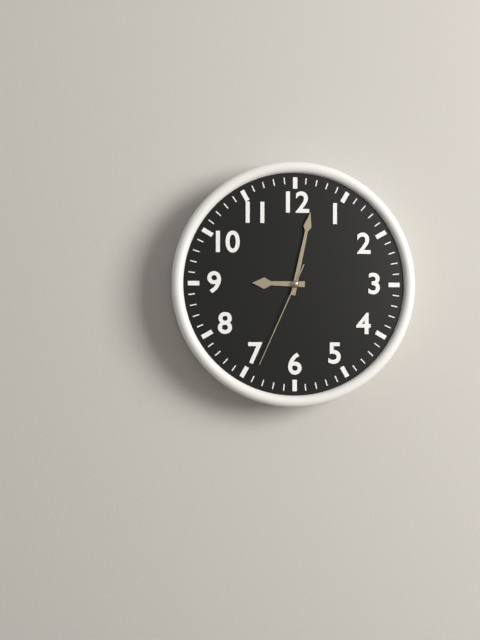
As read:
9,02,34
